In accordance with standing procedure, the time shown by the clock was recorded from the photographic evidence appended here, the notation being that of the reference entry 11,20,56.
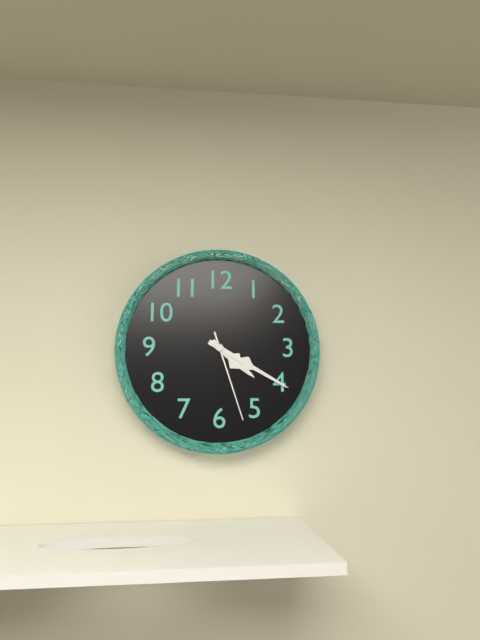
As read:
4,20,27
